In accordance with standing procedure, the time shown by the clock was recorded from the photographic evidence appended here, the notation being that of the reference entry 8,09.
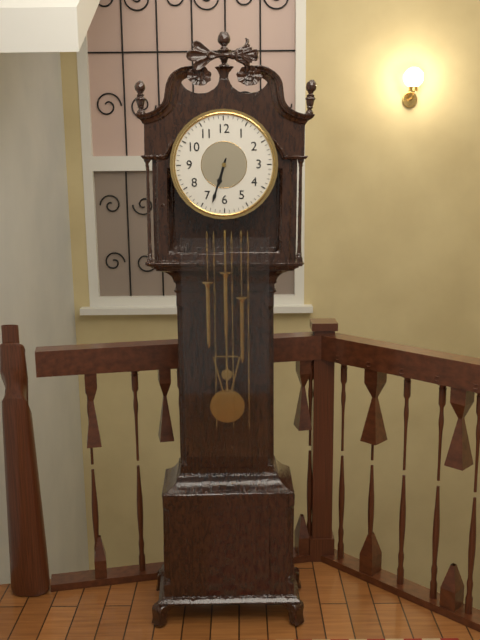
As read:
6,33
